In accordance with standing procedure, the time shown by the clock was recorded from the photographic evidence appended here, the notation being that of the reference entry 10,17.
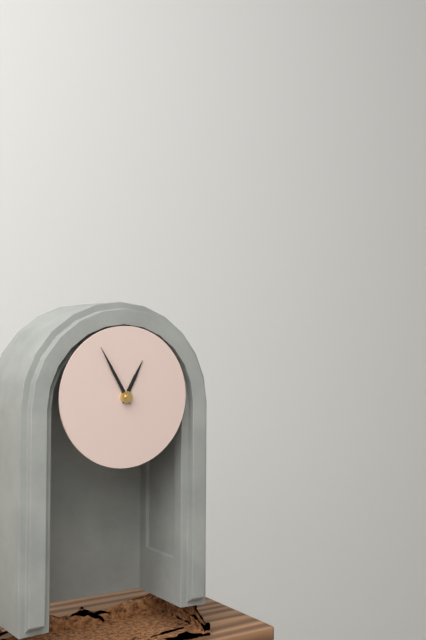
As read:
12,55
